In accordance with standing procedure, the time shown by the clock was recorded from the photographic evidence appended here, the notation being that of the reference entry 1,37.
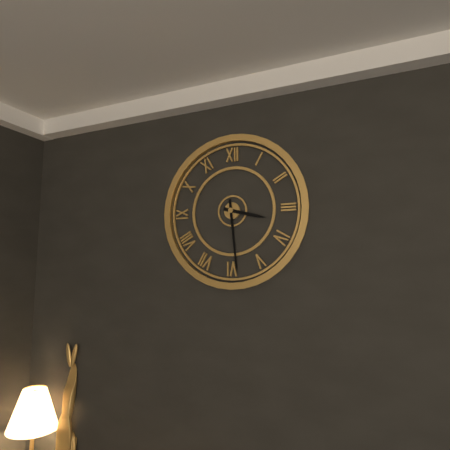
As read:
3,29
